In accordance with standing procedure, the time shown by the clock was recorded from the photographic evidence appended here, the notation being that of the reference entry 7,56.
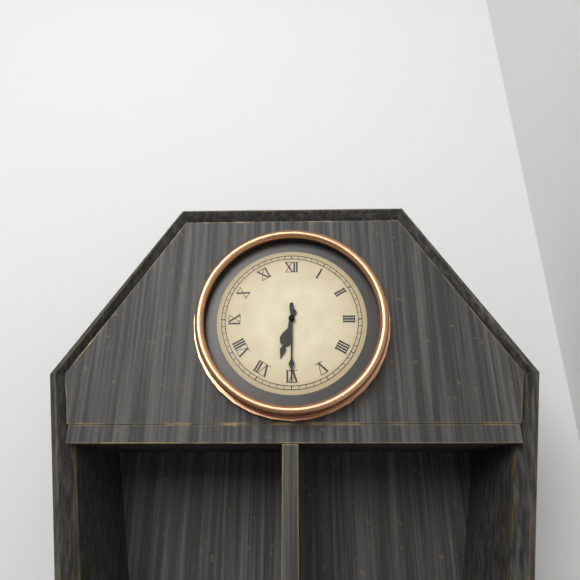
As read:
6,30
